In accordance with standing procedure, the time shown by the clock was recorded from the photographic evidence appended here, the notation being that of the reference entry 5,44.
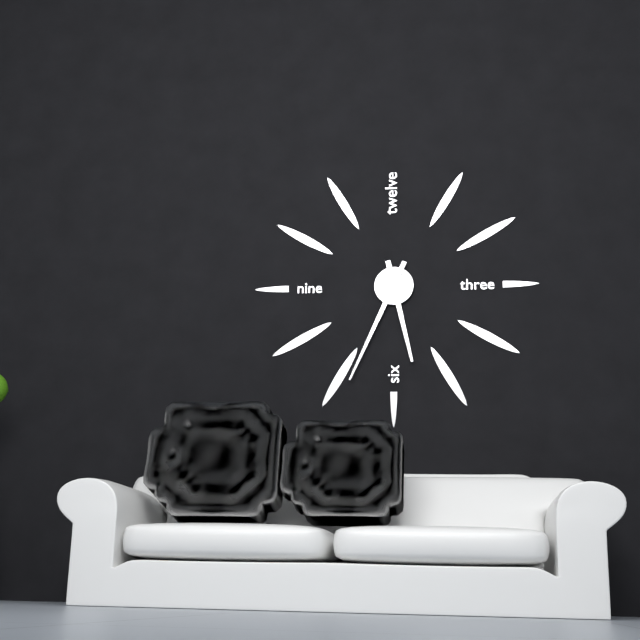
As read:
5,34
